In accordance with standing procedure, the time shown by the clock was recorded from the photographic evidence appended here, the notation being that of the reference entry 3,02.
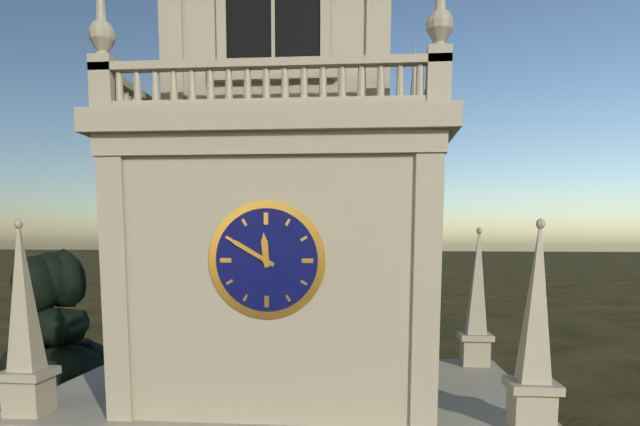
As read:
11,50
